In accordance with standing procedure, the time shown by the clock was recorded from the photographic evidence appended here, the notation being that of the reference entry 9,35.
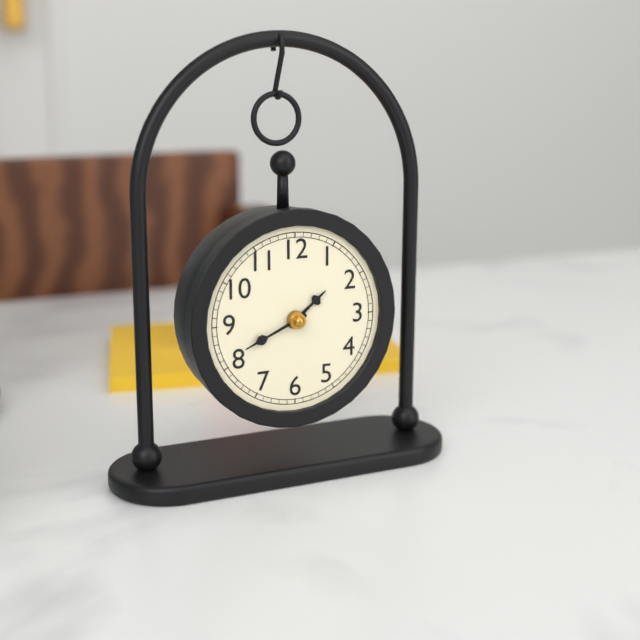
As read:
1,41
